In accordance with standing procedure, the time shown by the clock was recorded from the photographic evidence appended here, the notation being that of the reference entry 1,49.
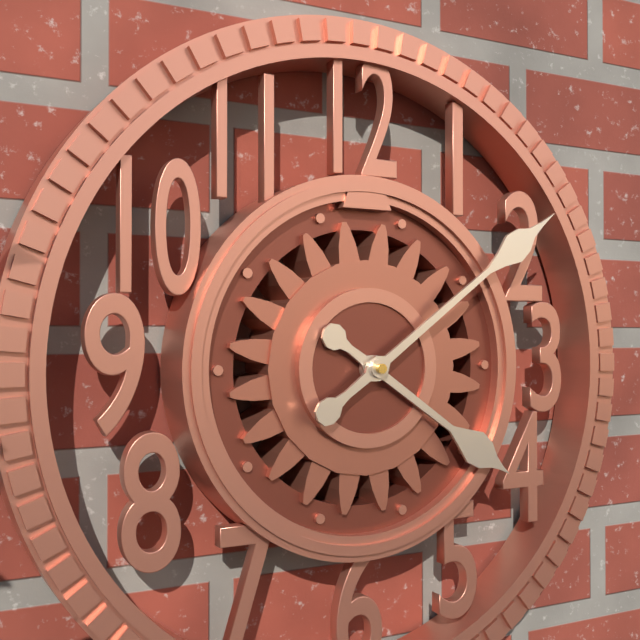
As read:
4,09
